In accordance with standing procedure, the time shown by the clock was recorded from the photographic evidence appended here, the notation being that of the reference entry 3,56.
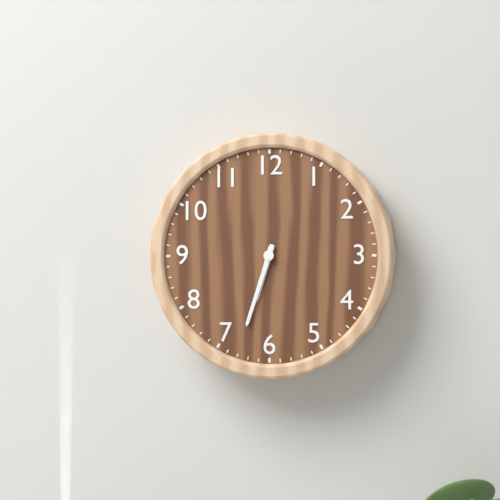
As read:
6,33
